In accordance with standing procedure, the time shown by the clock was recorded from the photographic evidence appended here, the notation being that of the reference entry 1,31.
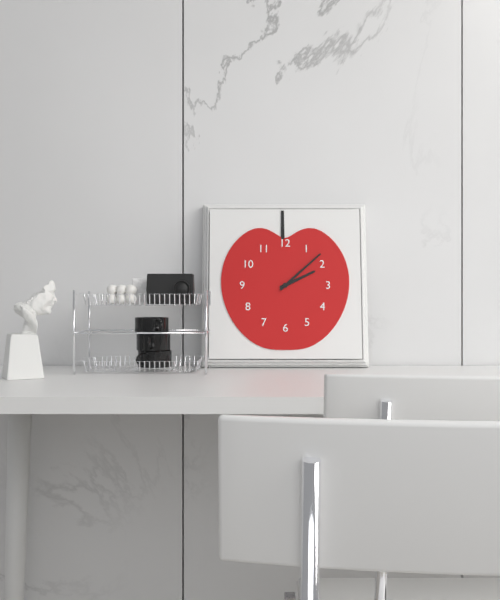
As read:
2,08
